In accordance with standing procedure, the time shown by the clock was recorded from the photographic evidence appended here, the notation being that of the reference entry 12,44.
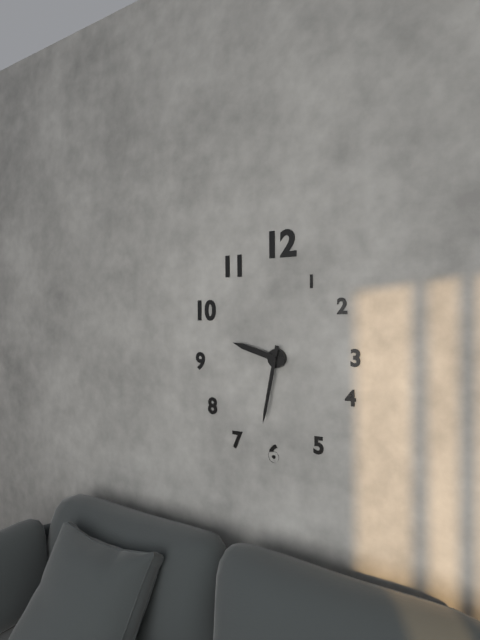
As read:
9,32
